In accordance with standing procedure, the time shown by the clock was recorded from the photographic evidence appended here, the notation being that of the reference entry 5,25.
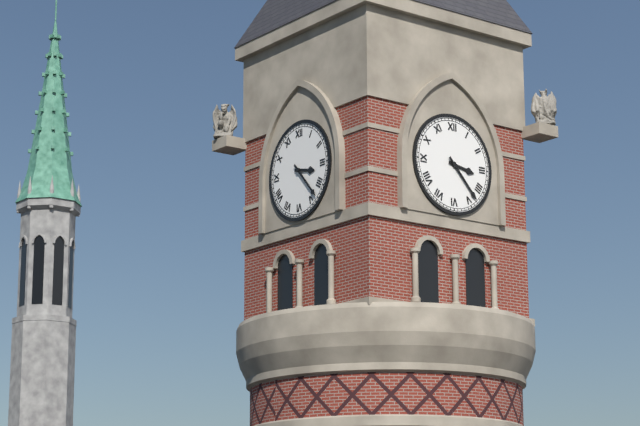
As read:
3,23
